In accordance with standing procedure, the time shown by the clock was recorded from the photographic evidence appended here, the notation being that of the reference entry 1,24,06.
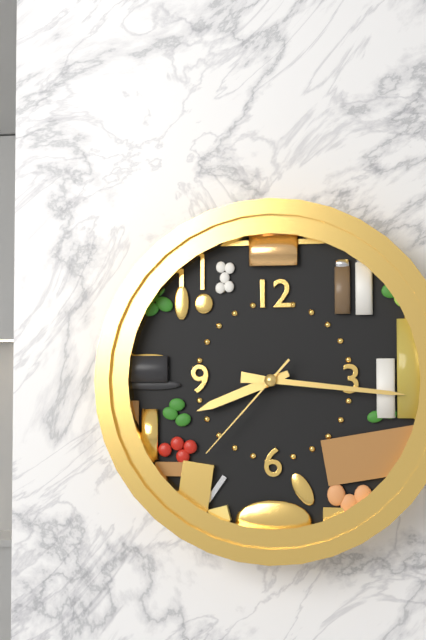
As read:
8,16,37
